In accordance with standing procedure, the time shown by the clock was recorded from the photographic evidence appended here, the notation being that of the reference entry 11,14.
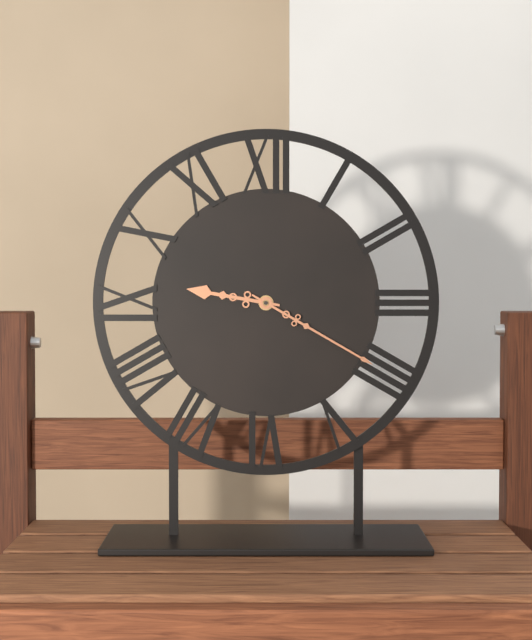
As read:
9,20
